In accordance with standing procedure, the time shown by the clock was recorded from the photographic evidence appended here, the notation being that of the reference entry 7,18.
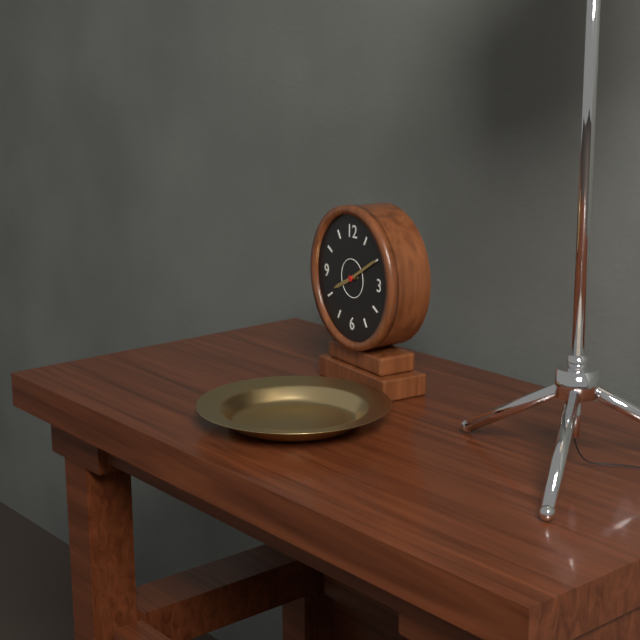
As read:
8,10
